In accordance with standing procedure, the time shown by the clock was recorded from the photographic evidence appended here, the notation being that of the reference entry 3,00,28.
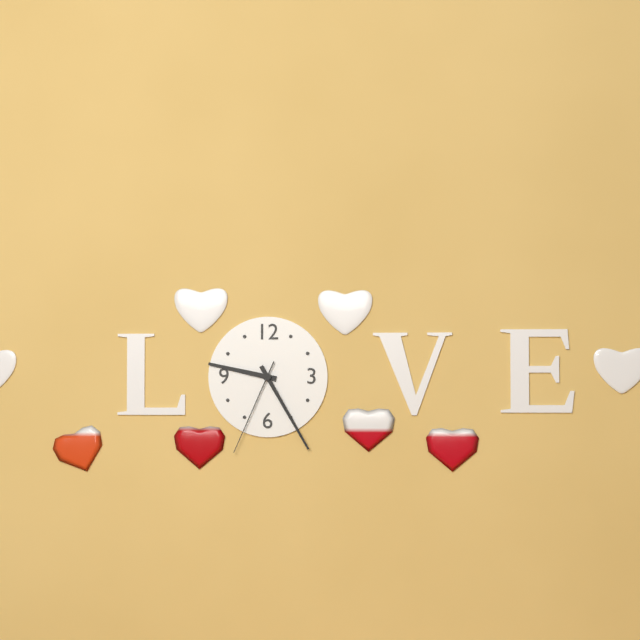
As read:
9,25,34
